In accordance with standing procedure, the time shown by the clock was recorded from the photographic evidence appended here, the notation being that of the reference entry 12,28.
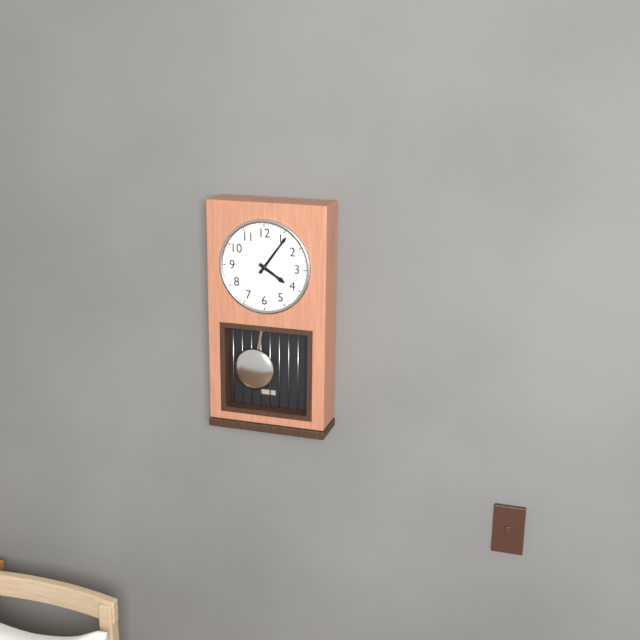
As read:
4,06
